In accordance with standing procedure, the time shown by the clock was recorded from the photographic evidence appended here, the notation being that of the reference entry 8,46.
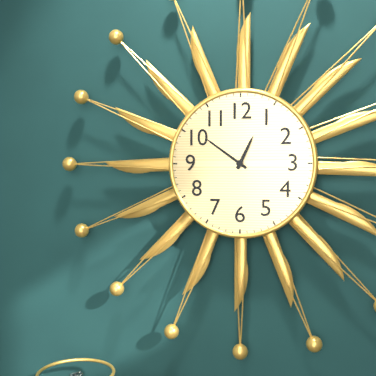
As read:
12,51
